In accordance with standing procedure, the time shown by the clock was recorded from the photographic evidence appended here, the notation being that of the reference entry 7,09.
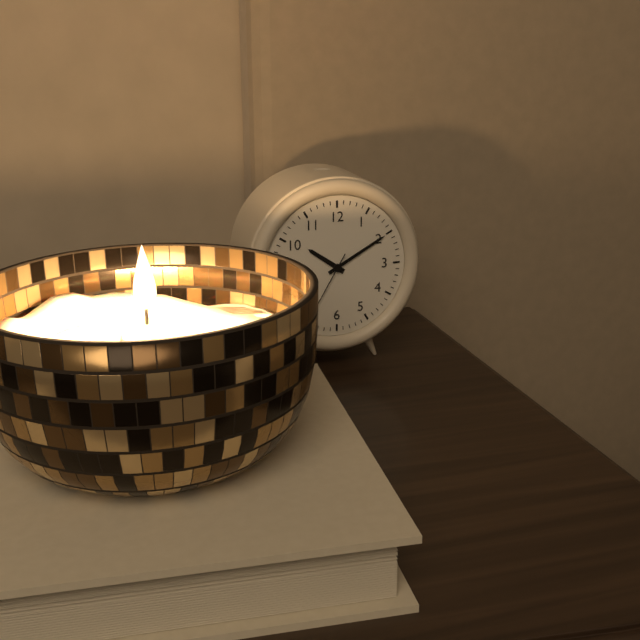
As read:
10,10
